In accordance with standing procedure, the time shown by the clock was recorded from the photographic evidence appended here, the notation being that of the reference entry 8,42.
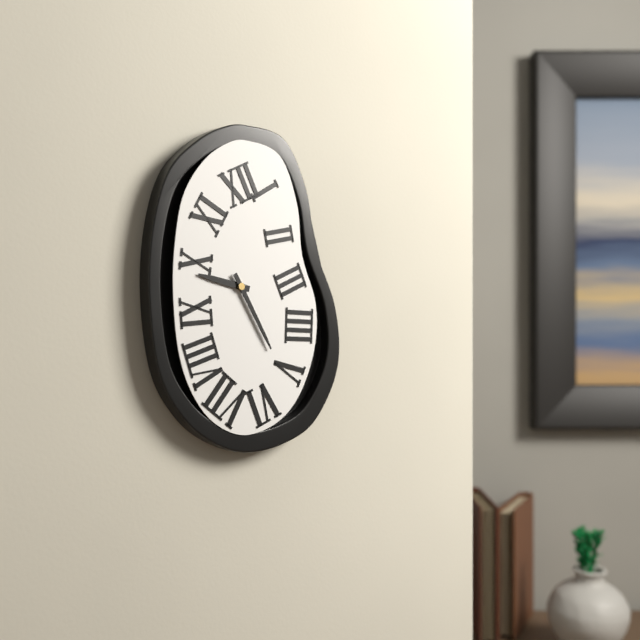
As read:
9,25
